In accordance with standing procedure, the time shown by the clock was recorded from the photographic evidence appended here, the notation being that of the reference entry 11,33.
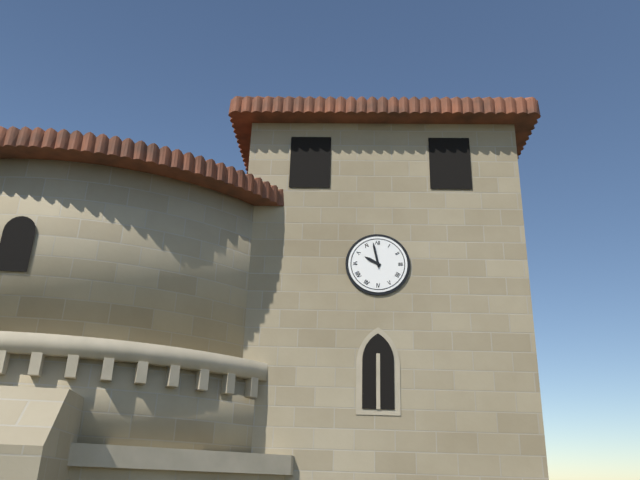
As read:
9,58
